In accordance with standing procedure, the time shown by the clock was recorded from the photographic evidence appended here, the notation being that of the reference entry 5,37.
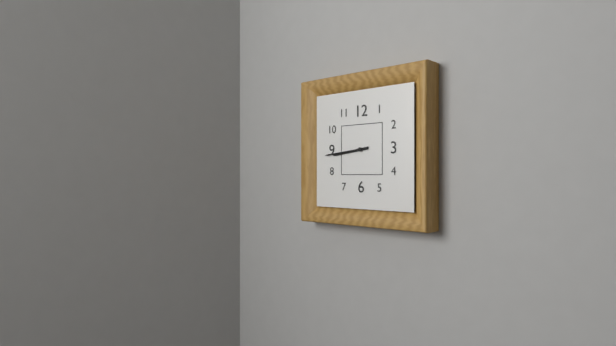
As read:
8,44
